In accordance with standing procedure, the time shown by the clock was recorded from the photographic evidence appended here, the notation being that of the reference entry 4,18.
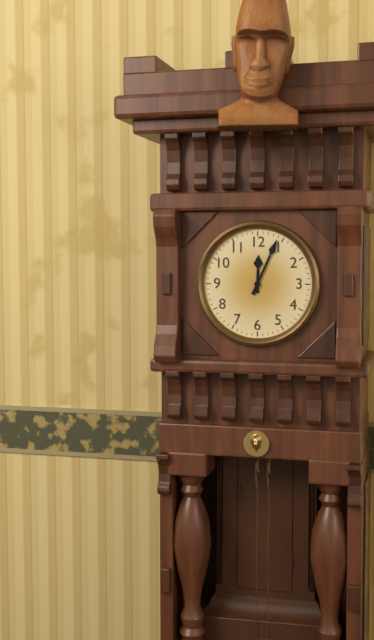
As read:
12,04
